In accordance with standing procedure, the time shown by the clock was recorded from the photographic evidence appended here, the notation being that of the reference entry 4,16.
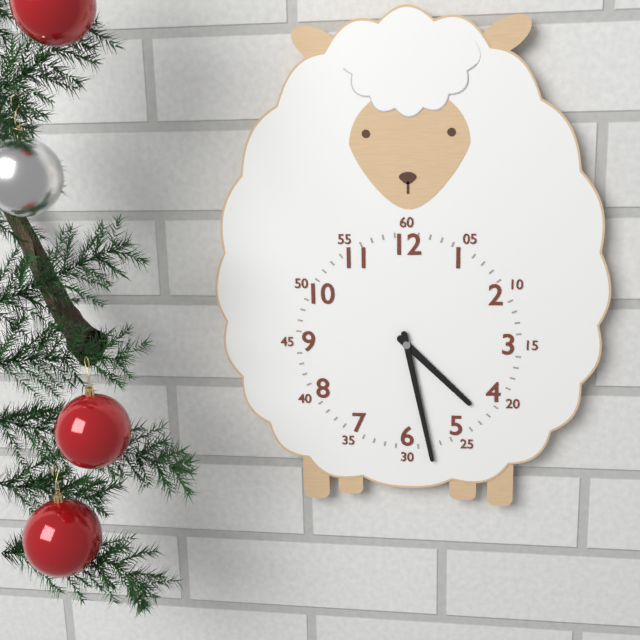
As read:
4,28
